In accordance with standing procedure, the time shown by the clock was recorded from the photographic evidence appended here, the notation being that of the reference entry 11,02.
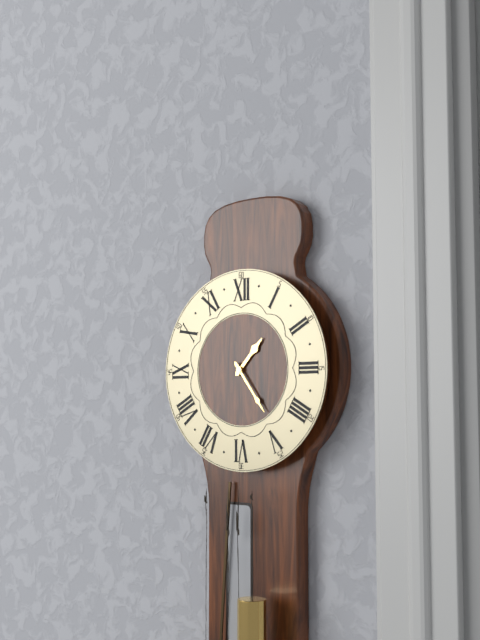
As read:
1,24
